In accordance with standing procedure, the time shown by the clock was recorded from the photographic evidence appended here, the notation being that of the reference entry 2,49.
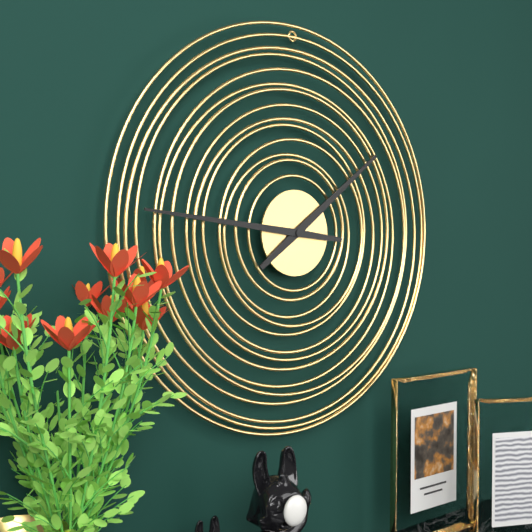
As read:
1,46
